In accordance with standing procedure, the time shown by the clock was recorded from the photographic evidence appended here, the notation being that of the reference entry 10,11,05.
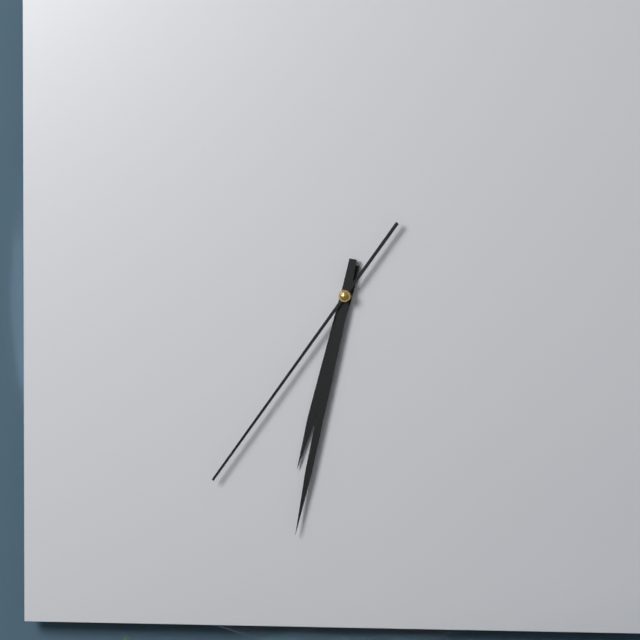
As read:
6,32,36
